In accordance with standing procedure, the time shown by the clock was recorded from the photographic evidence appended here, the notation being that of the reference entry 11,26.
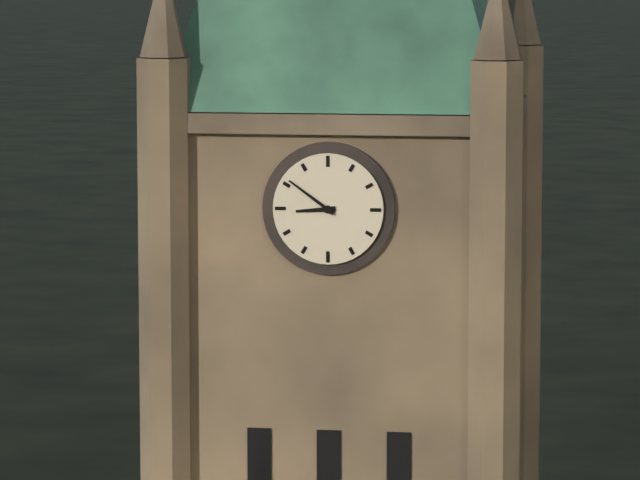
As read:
8,51
